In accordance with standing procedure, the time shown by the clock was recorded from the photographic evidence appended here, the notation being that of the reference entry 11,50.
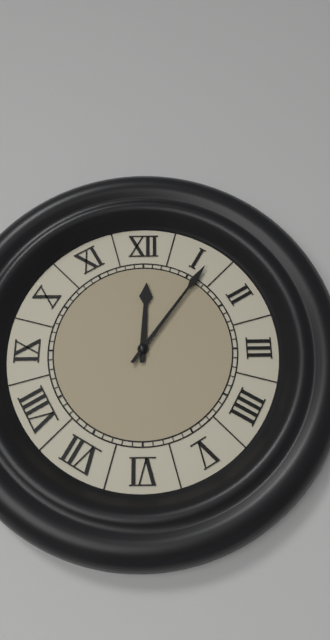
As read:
12,06
